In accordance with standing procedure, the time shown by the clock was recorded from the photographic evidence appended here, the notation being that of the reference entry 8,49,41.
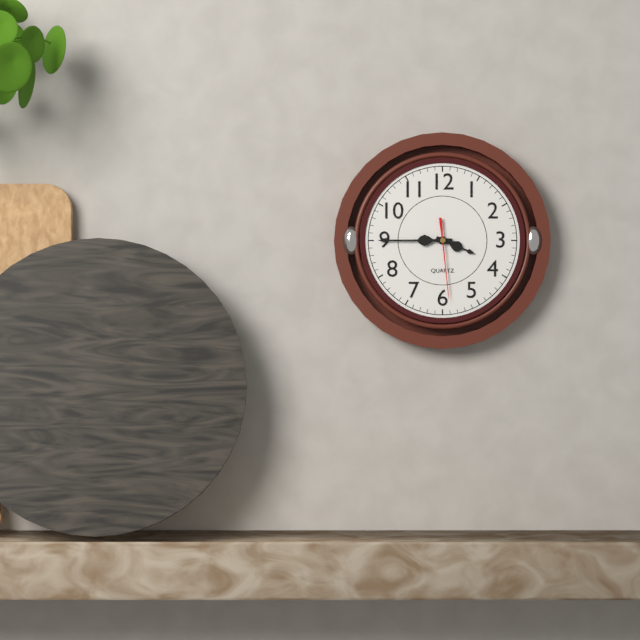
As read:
3,45,29
